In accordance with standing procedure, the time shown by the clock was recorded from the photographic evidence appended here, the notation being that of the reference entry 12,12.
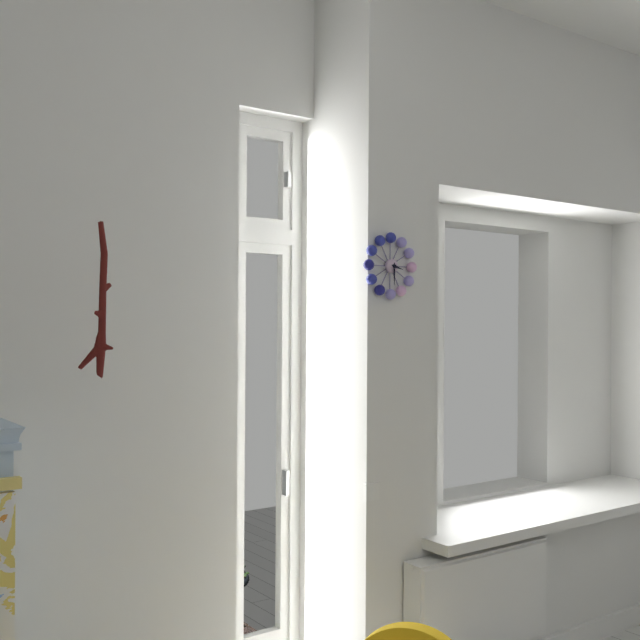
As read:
3,30
